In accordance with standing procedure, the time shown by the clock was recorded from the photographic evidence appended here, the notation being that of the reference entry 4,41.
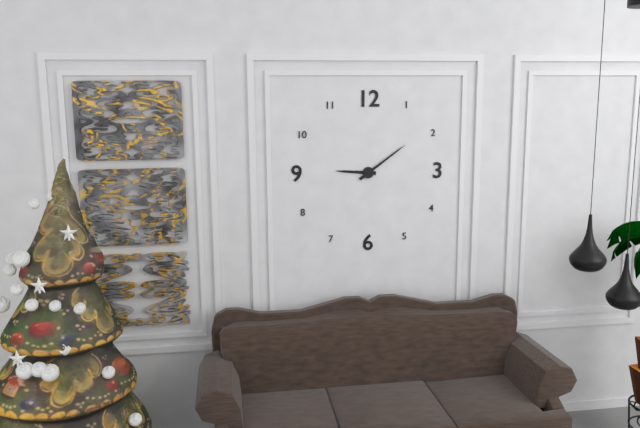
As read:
9,09
